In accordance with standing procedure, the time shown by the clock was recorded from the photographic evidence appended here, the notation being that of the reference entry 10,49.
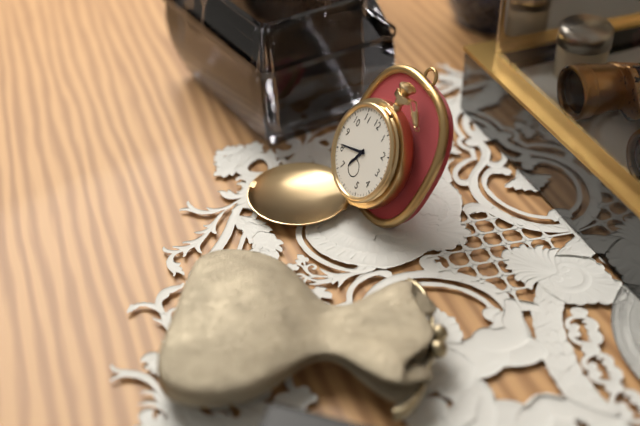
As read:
6,41
